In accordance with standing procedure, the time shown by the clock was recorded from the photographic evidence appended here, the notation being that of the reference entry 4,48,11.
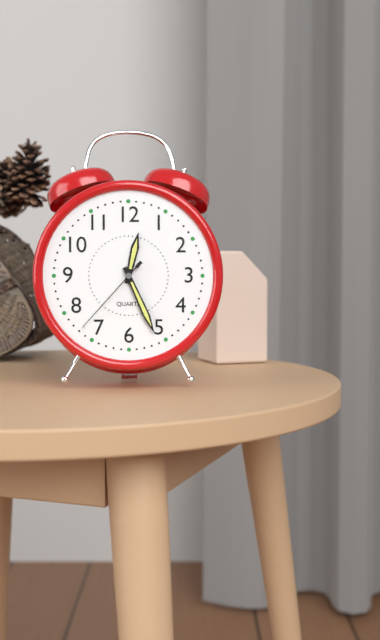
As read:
12,26,37
